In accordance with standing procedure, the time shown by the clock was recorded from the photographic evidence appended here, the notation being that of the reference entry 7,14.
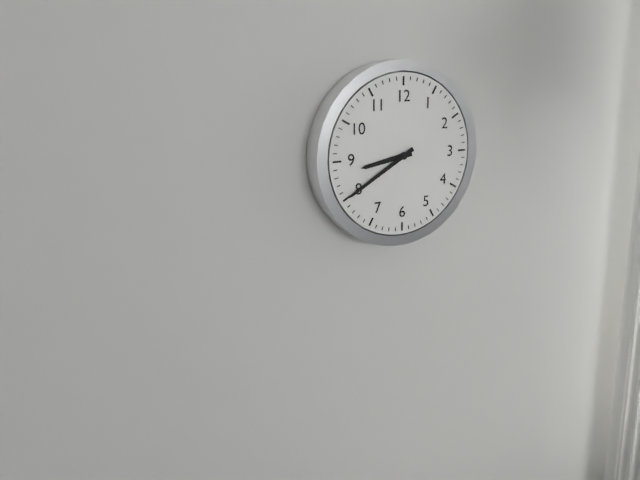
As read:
8,40
